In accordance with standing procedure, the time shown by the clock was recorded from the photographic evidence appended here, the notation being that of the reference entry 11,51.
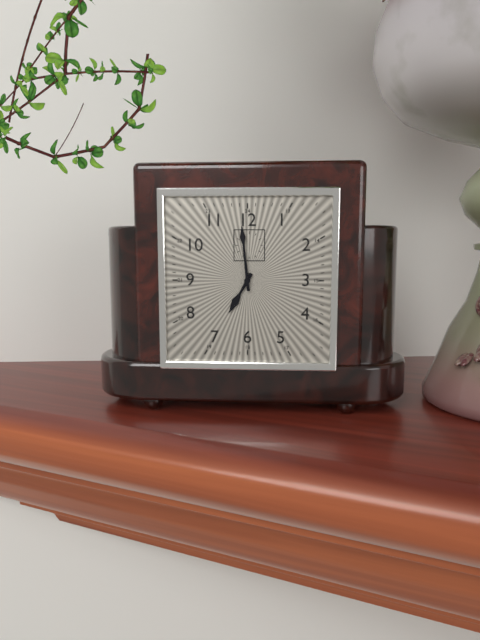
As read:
6,59
